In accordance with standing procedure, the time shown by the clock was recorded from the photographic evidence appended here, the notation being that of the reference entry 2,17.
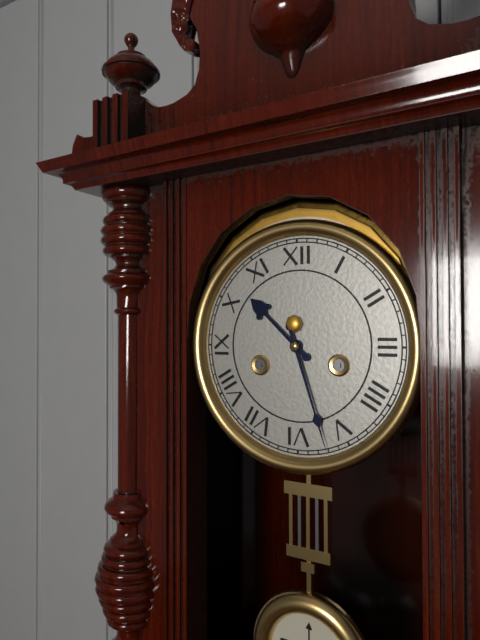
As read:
10,27
